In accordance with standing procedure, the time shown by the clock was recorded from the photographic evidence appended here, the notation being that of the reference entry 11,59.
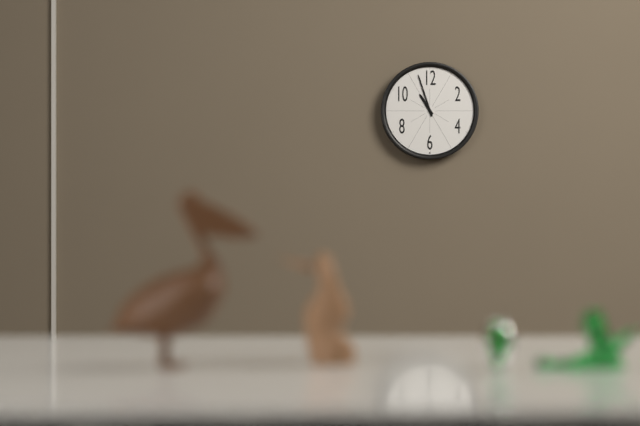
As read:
10,57
